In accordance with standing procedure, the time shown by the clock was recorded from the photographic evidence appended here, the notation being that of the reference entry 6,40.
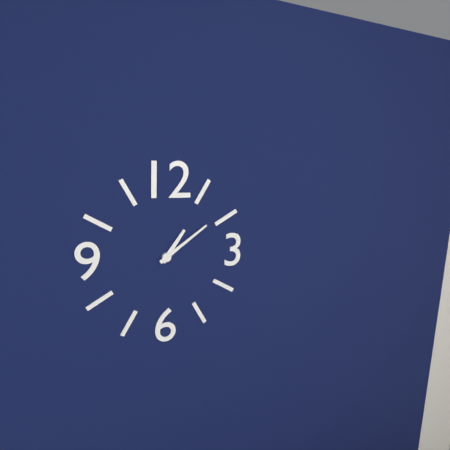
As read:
1,09
